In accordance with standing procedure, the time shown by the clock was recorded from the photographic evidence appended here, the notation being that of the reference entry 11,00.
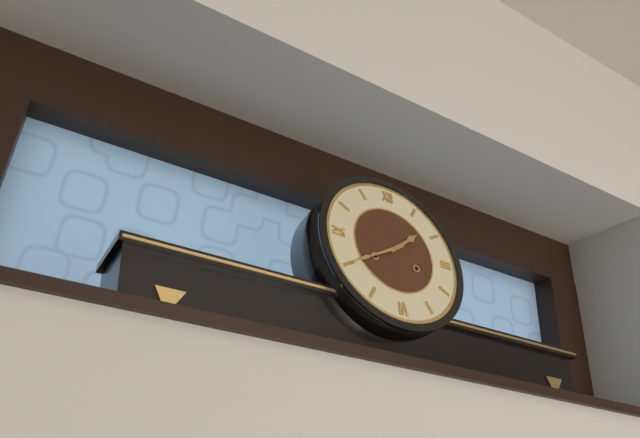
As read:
1,40
